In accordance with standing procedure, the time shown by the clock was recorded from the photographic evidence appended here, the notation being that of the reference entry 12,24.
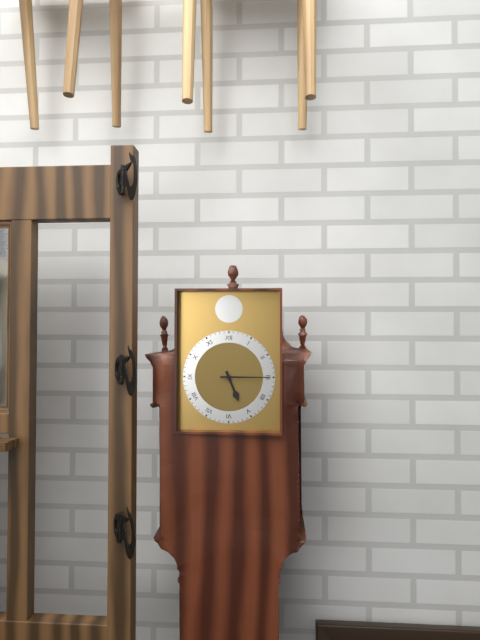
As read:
5,15
